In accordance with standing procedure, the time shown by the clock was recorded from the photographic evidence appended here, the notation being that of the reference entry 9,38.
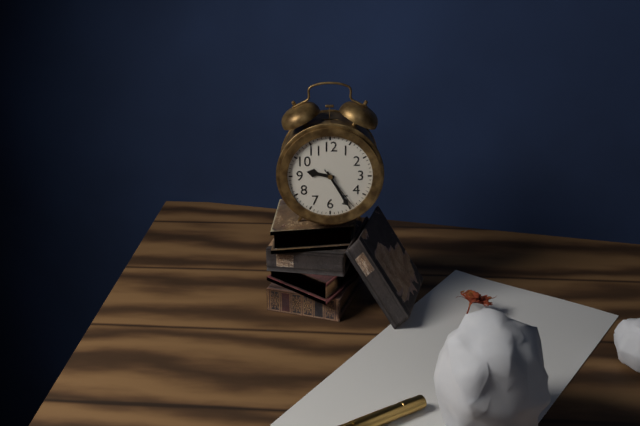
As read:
9,25
